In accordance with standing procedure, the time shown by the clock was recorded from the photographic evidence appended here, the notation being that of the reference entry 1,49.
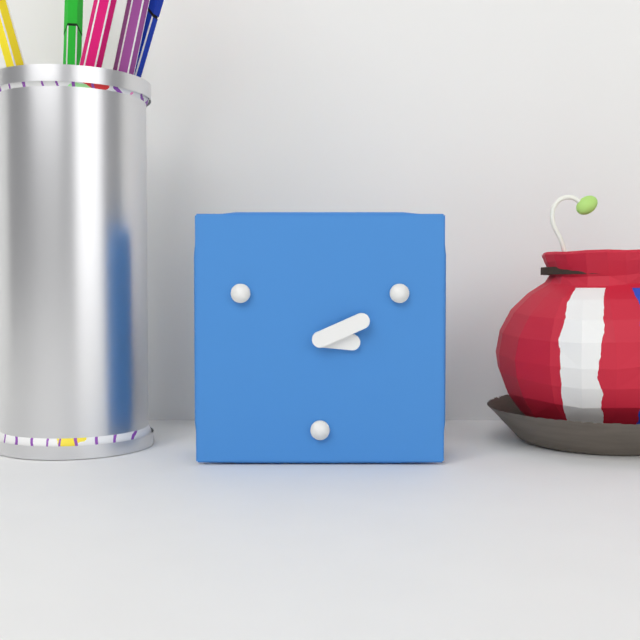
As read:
3,11
